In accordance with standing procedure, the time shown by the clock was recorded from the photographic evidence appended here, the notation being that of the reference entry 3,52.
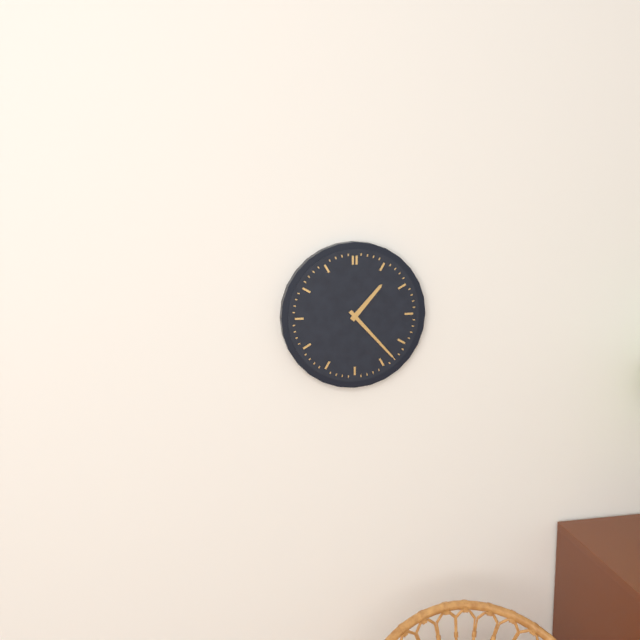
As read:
1,23
